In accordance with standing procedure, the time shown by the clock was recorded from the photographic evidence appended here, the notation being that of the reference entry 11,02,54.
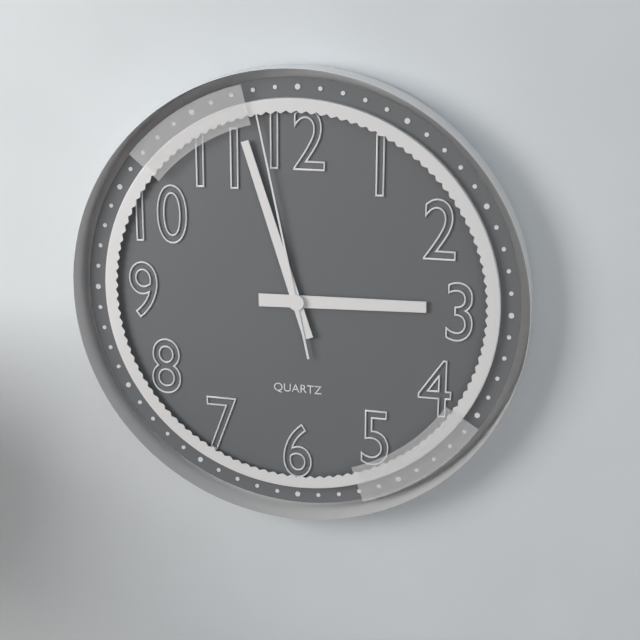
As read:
2,57,58
